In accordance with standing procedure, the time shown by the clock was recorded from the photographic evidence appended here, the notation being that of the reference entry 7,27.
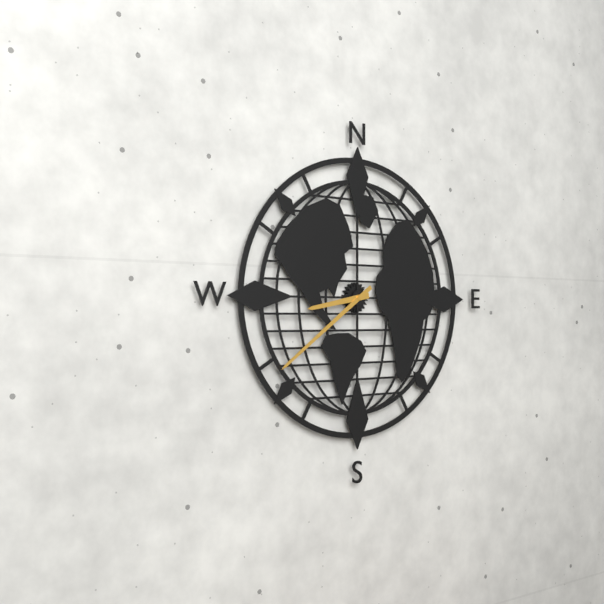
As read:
8,39
